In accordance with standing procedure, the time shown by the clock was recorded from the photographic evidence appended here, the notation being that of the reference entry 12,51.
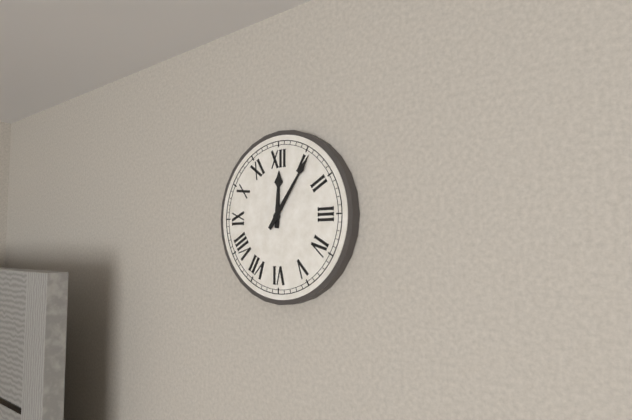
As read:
12,06
